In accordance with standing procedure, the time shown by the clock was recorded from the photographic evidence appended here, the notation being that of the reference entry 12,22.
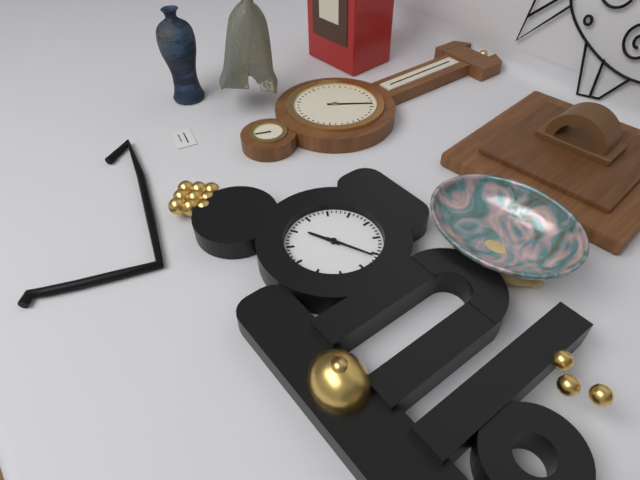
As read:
8,11
